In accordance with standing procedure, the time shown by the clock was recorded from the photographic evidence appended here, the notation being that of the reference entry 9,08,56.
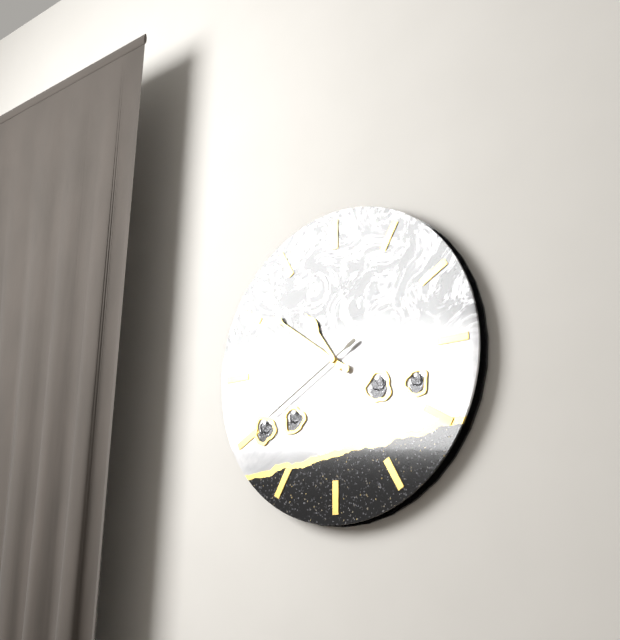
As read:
10,51,40
